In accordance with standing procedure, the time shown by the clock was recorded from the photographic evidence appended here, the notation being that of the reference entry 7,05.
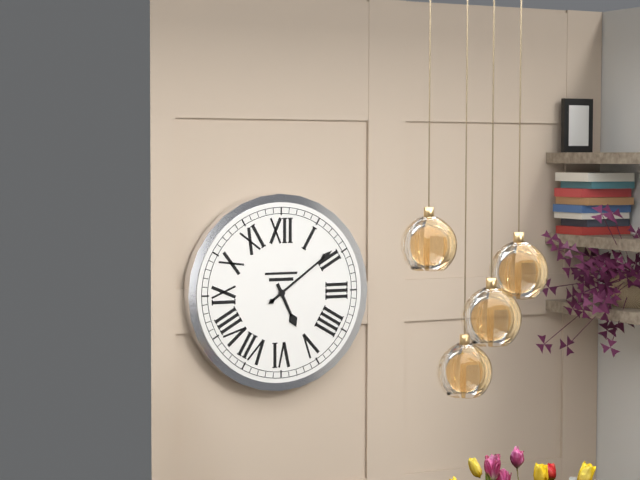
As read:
5,09
